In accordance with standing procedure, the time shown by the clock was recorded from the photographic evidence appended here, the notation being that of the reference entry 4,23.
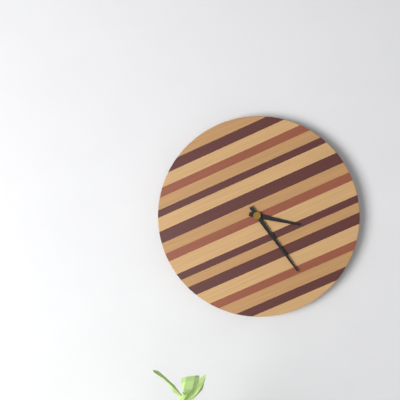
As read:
3,24
